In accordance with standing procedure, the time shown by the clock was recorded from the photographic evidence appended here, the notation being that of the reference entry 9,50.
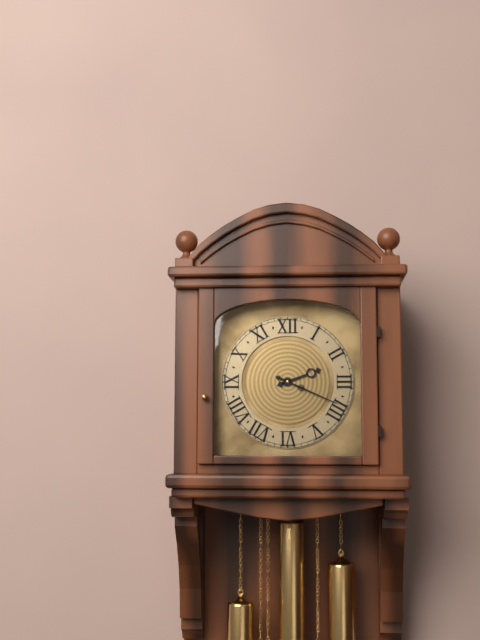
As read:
2,19
